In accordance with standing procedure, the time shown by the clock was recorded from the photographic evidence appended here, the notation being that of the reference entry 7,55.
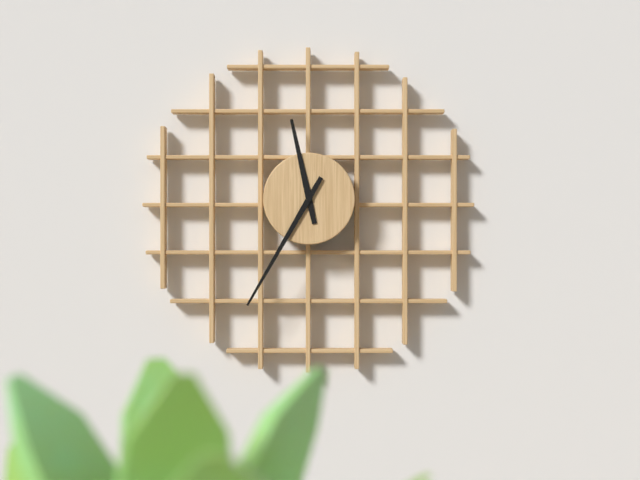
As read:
11,35
